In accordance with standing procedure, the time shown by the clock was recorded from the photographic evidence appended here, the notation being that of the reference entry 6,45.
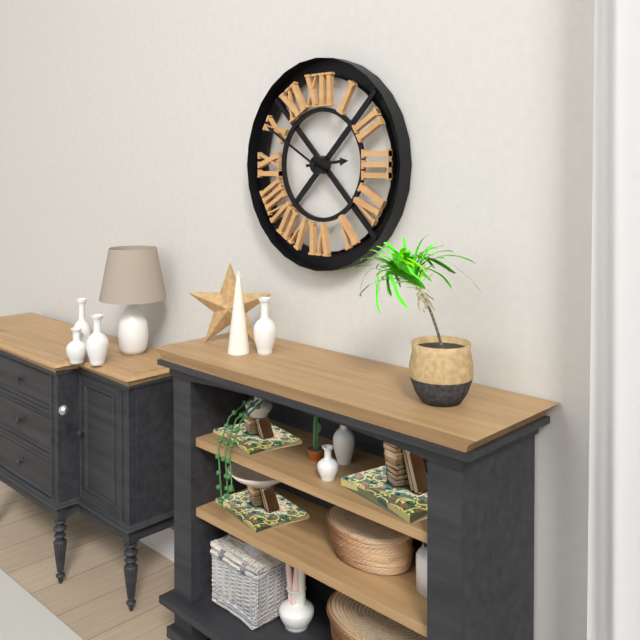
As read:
2,50
